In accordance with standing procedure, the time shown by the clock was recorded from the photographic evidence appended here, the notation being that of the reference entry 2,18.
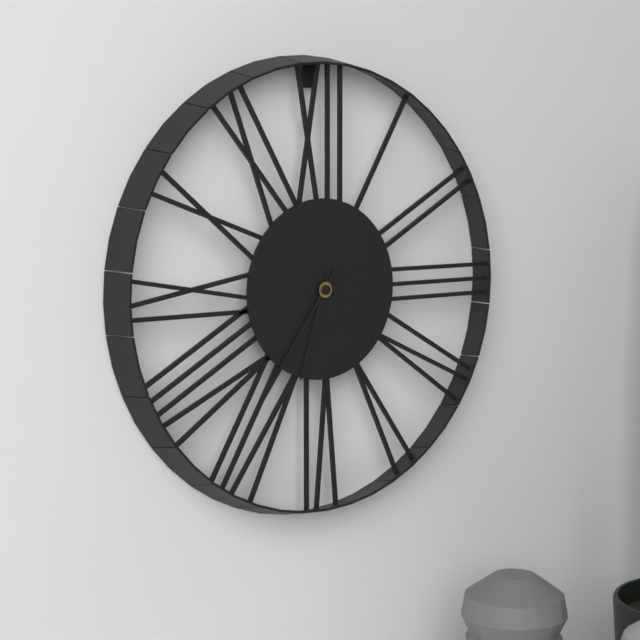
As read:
6,36
